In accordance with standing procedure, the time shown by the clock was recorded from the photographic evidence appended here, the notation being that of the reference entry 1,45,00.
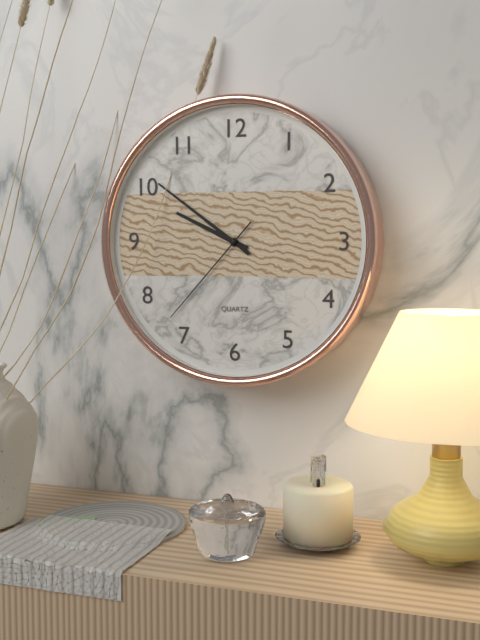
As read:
9,51,37
